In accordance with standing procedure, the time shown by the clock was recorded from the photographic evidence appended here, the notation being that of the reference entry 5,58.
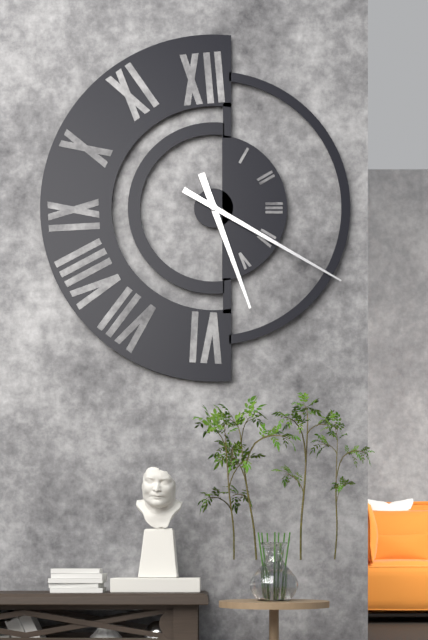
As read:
5,20
